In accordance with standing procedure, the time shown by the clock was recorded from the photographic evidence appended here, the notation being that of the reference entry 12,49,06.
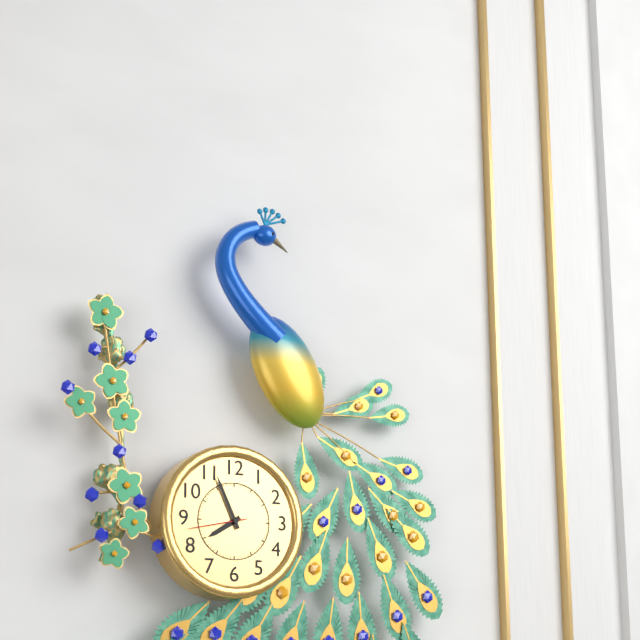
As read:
7,56,43
